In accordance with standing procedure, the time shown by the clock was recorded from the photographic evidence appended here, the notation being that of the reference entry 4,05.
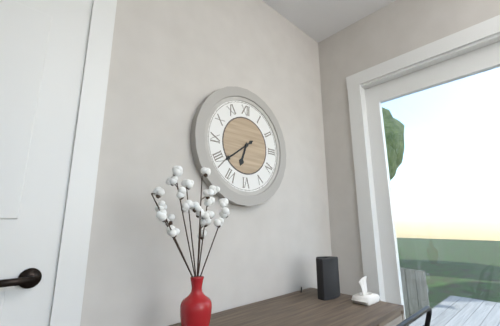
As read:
6,39
